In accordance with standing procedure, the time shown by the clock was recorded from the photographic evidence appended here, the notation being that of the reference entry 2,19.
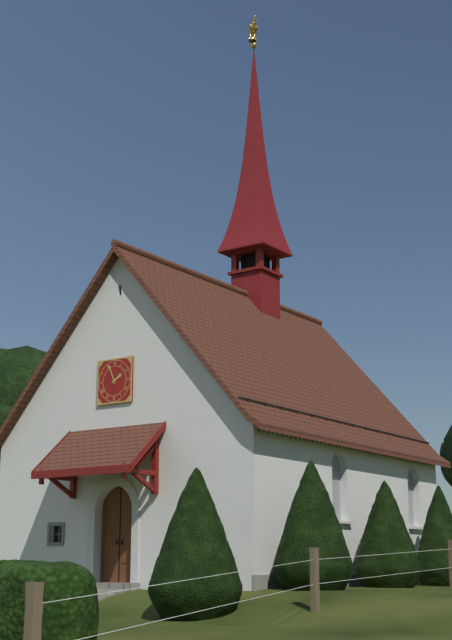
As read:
1,56
